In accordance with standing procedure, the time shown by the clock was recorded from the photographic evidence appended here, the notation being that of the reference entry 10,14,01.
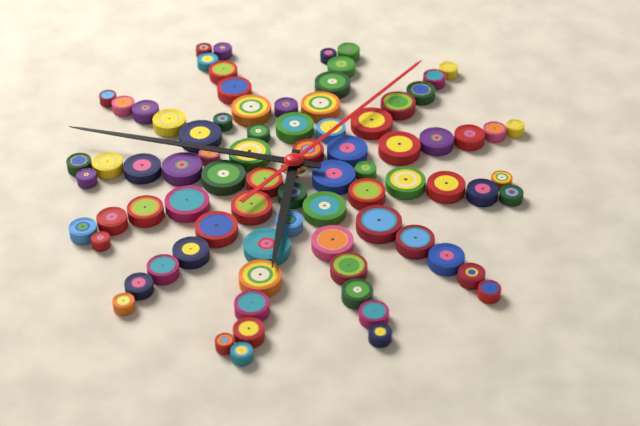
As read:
5,45,04
